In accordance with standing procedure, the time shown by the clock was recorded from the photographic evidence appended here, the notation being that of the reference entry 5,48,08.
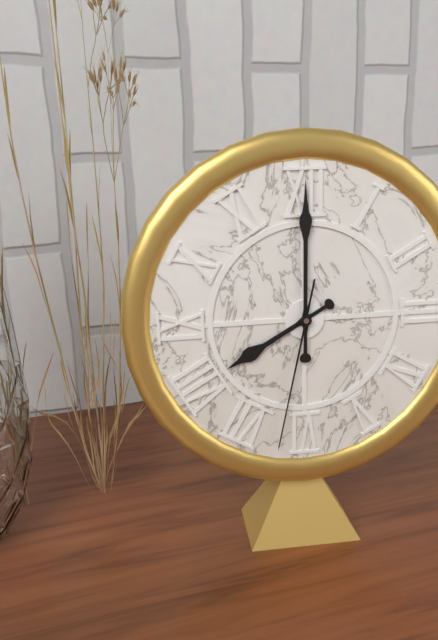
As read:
8,00,32
